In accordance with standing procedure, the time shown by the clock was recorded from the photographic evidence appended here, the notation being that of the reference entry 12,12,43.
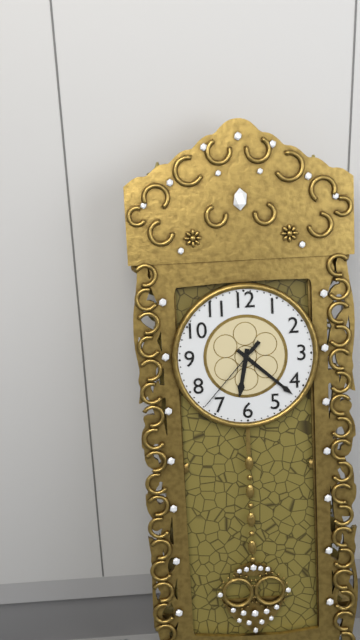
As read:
6,22,37
